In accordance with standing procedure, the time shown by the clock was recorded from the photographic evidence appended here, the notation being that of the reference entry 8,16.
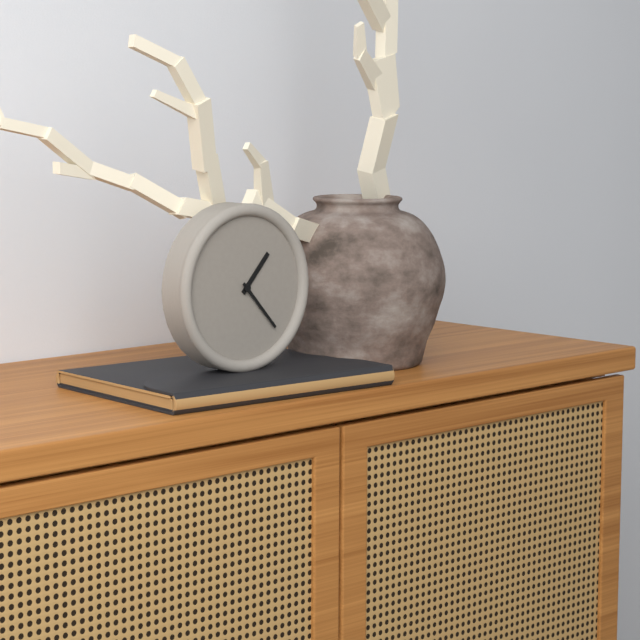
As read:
1,23
